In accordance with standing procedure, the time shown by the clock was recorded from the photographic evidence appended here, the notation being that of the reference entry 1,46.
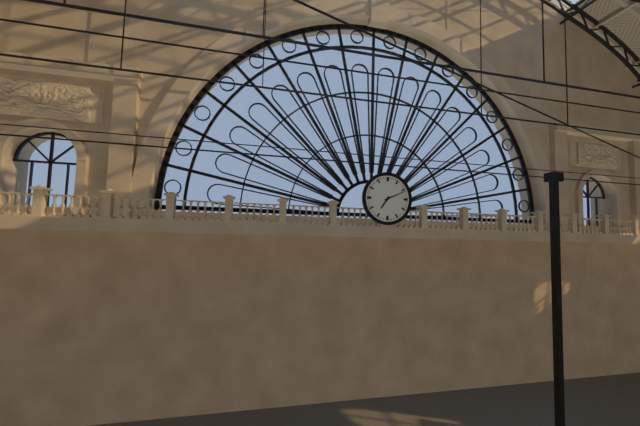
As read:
7,11
